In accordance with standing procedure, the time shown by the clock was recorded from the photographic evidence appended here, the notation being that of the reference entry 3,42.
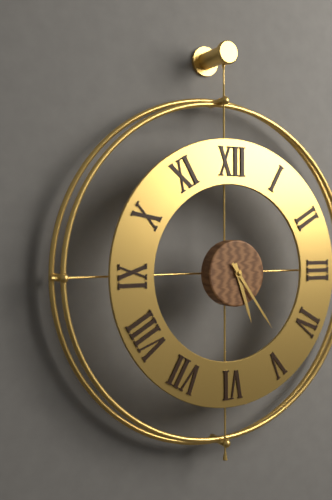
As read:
5,24
